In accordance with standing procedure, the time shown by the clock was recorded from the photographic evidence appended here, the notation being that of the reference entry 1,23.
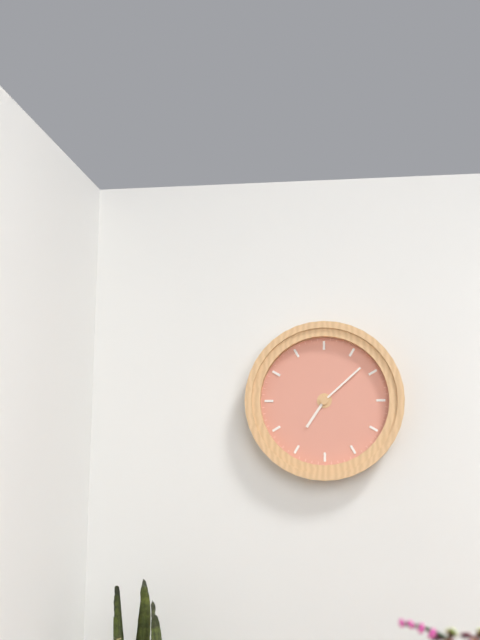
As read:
7,08
